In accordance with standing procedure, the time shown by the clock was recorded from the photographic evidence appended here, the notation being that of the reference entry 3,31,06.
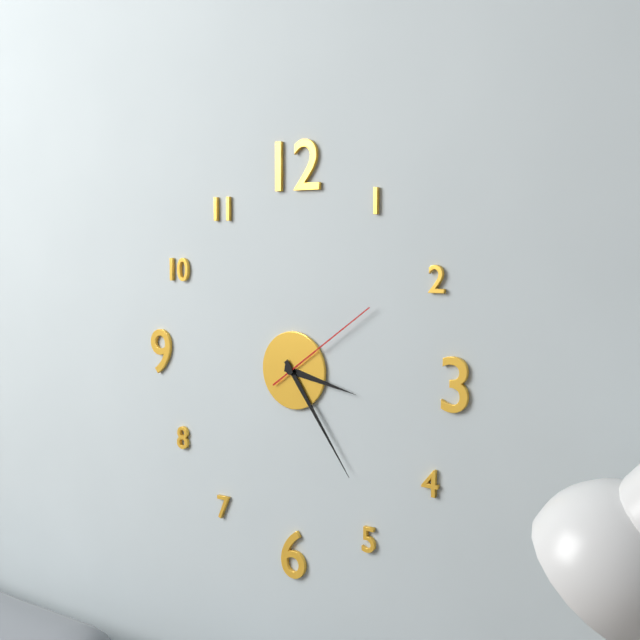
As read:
3,24,09
